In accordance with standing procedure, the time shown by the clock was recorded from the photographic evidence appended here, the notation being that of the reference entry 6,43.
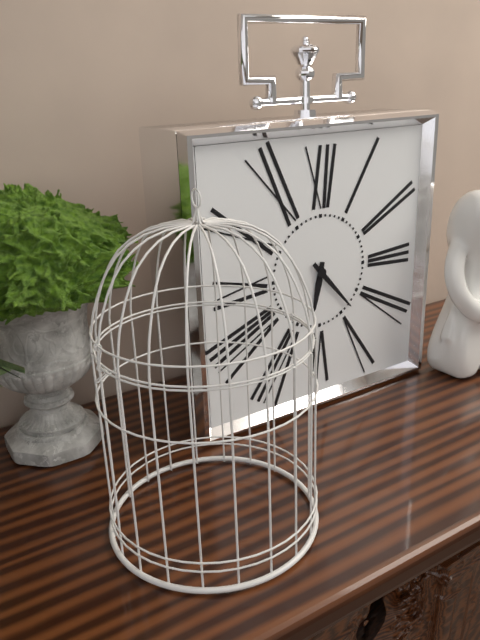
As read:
6,23
